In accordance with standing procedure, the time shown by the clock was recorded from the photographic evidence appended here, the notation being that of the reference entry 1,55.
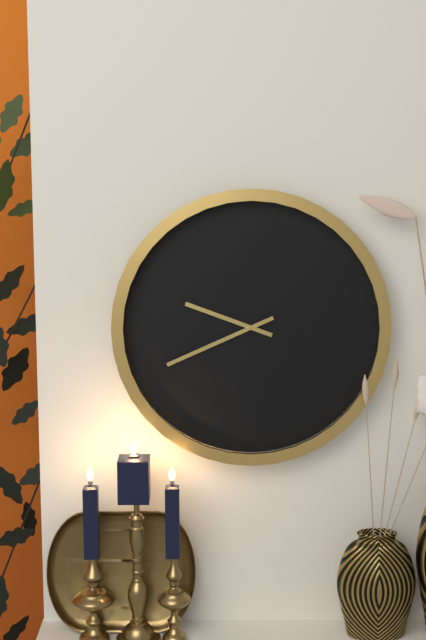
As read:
9,41
